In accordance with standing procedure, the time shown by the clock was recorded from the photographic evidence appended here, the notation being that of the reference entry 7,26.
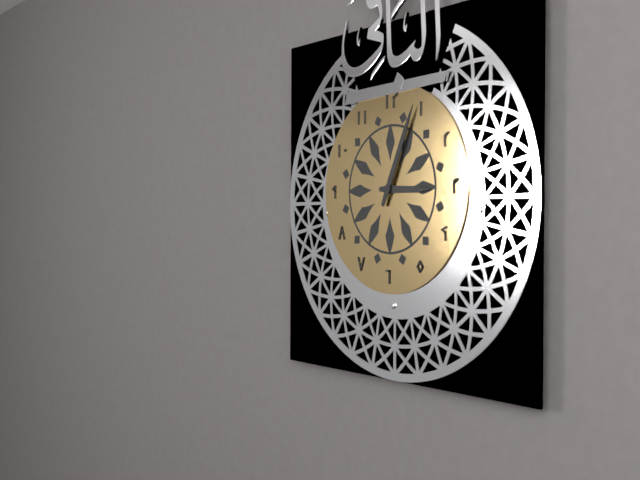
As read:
3,04
